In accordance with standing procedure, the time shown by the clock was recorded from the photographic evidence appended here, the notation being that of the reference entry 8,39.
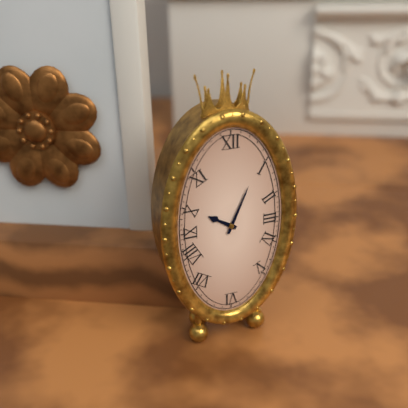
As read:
10,04
